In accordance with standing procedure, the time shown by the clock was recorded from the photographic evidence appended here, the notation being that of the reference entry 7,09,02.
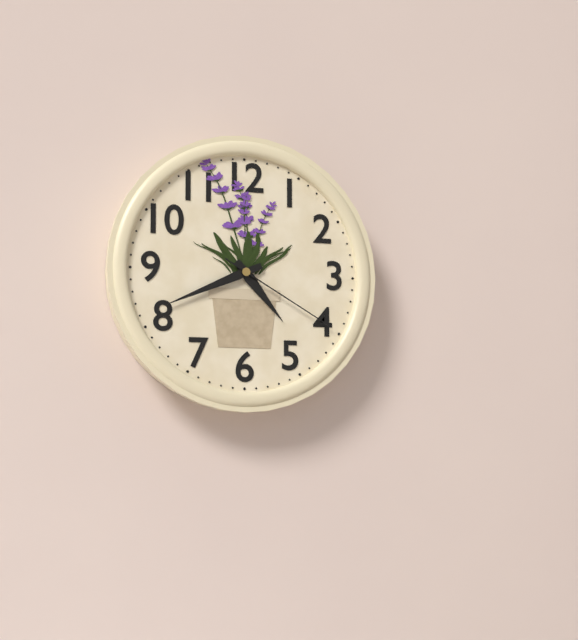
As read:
4,41,20
